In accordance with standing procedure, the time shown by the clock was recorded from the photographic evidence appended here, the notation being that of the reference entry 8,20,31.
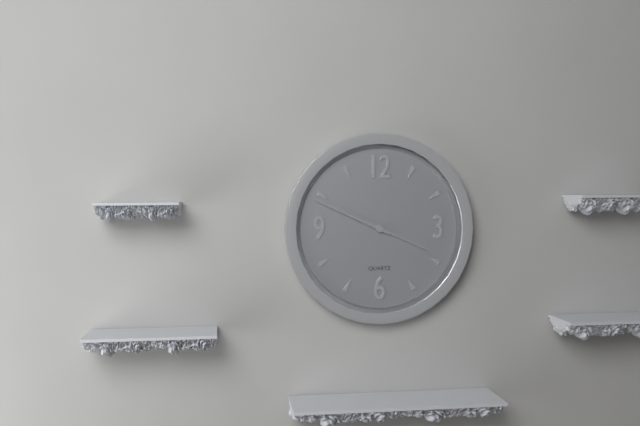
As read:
9,49,19
